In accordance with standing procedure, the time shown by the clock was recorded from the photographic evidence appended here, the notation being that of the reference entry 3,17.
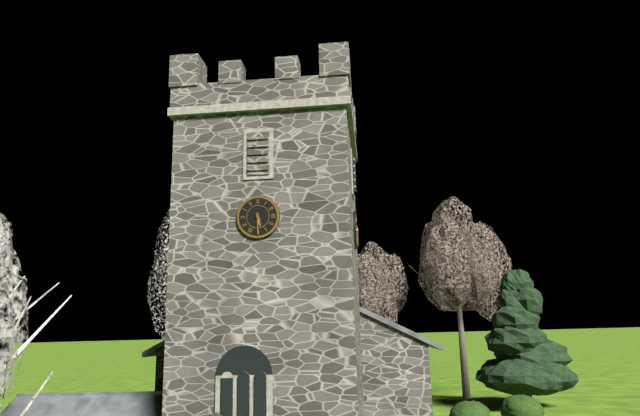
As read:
5,30
